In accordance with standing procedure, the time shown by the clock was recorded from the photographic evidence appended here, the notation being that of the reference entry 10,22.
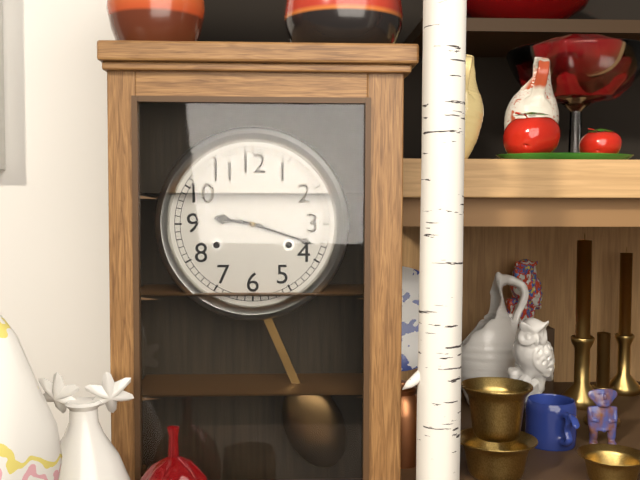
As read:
9,18
